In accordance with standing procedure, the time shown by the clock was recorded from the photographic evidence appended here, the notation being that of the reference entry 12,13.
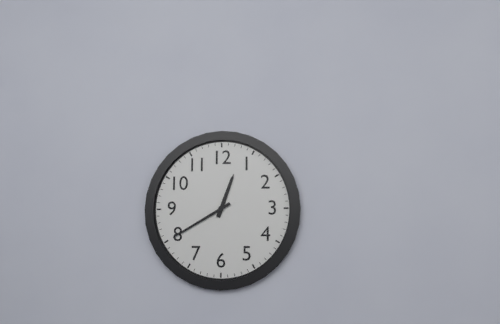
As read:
12,40
